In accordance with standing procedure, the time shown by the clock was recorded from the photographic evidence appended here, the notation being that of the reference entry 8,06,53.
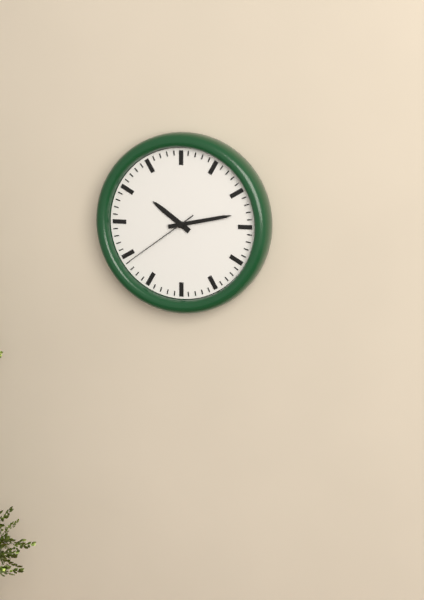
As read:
10,13,39
